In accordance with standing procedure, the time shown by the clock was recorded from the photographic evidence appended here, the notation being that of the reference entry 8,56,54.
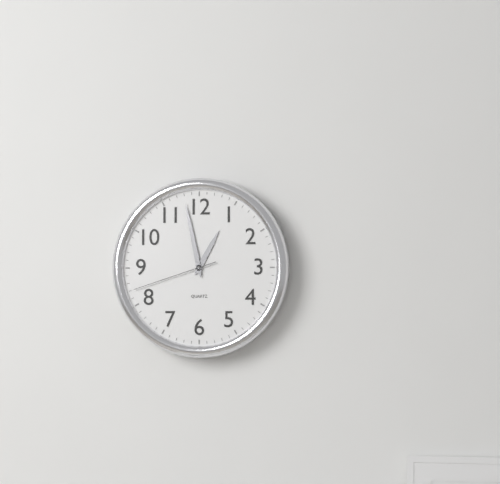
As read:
12,58,42
